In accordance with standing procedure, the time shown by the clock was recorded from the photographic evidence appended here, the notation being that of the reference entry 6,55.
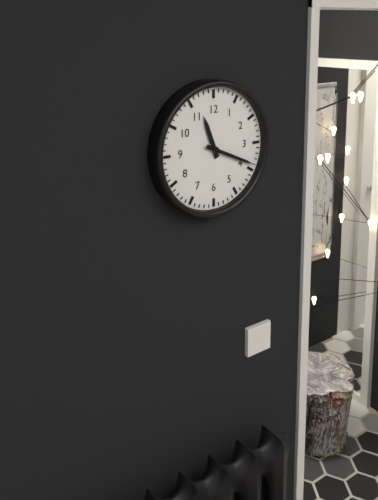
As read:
11,19
